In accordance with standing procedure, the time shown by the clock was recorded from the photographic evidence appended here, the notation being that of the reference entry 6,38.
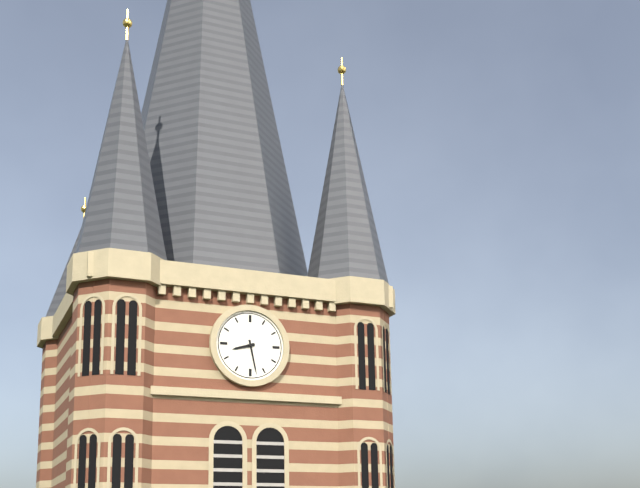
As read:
8,28
